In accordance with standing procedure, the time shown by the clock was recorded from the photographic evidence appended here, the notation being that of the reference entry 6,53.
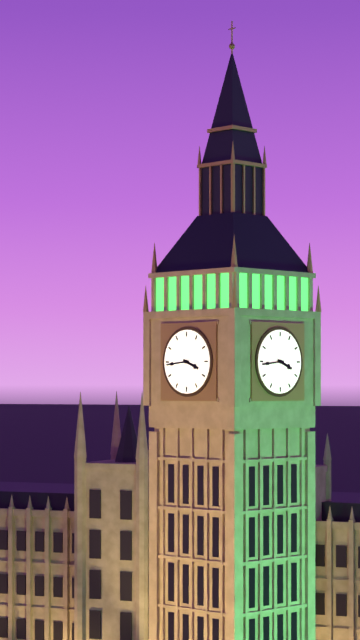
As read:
3,44
